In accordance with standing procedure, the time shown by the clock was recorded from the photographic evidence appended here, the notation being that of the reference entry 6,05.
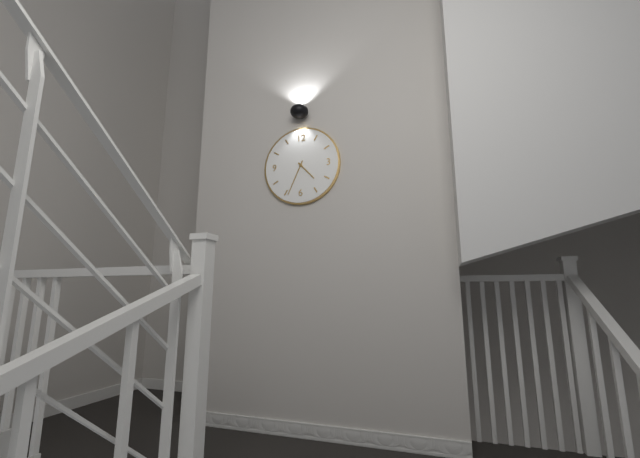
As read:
4,34
